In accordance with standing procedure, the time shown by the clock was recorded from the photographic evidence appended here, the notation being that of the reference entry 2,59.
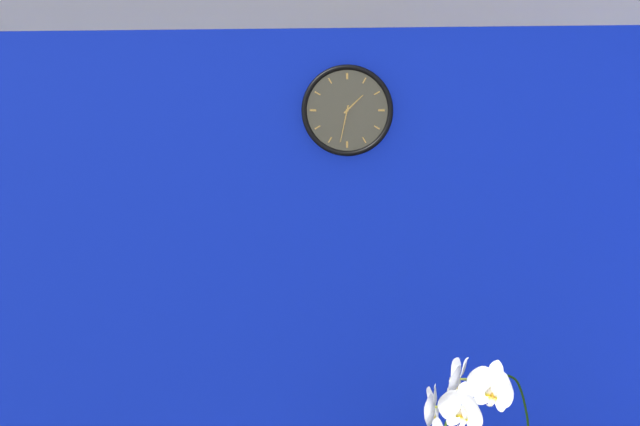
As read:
1,32
